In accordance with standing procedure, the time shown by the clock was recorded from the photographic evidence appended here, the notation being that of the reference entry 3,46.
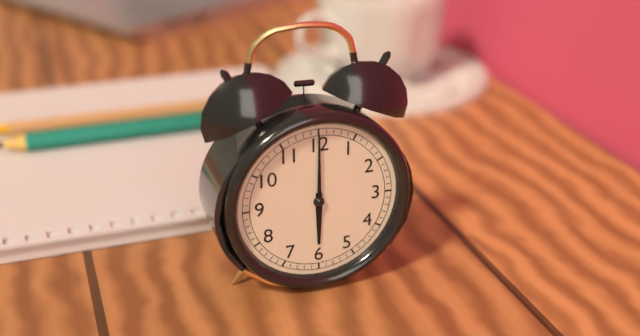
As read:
6,00
